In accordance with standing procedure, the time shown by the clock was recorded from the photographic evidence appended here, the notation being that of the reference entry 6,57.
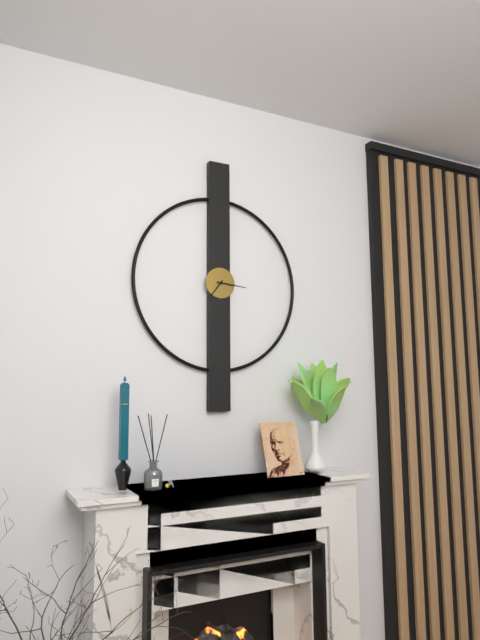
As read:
7,16
